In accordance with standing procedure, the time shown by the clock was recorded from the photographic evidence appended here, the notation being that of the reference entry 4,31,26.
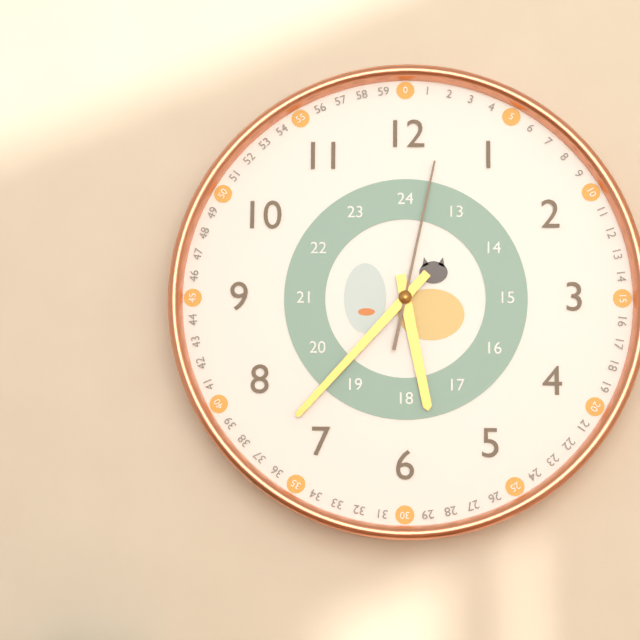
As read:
5,37,02
